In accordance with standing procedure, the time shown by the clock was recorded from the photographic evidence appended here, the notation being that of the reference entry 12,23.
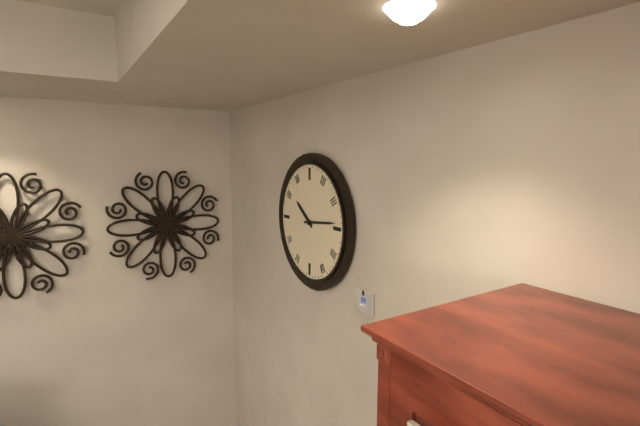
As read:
10,14
